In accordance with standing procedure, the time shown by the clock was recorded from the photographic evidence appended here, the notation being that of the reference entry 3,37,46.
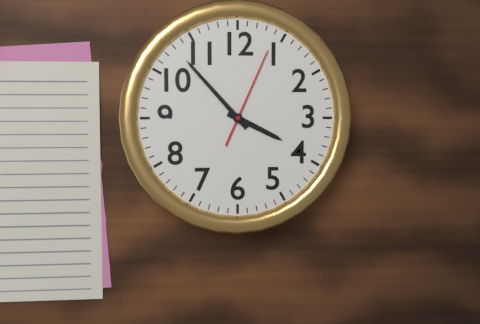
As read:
3,53,04
